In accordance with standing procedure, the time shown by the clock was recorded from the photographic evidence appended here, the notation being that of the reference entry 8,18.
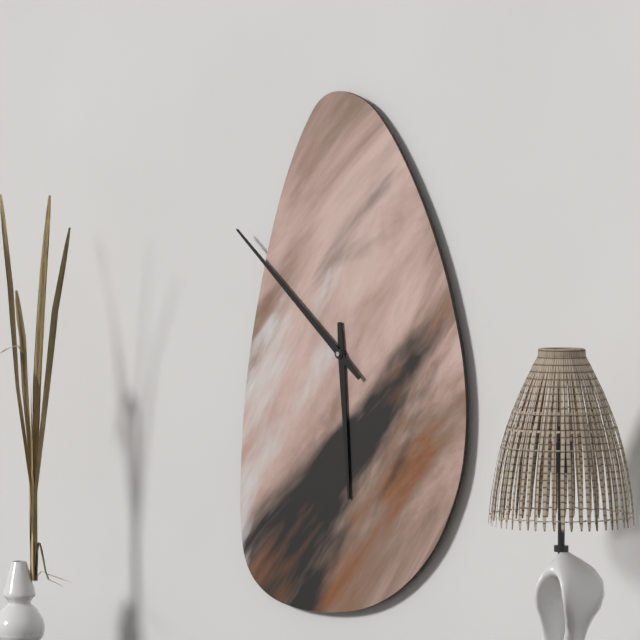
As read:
5,52
